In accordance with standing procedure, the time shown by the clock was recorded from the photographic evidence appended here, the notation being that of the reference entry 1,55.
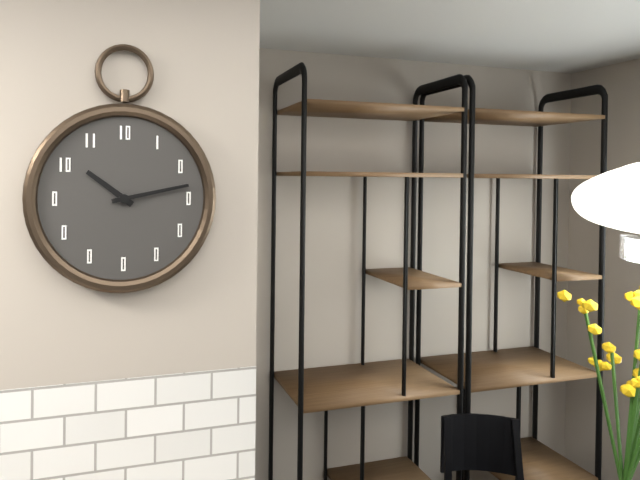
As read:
10,13
